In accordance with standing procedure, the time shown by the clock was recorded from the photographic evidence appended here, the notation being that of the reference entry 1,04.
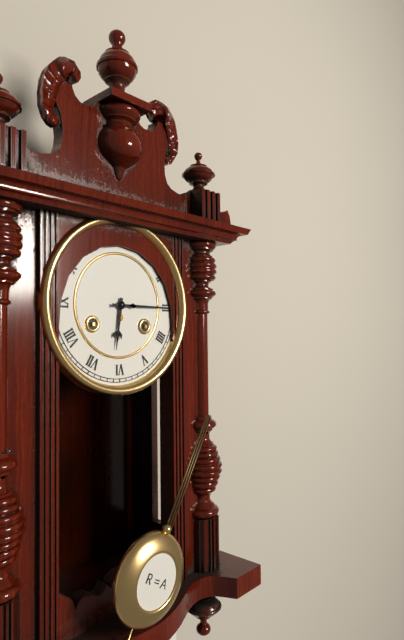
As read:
6,15
